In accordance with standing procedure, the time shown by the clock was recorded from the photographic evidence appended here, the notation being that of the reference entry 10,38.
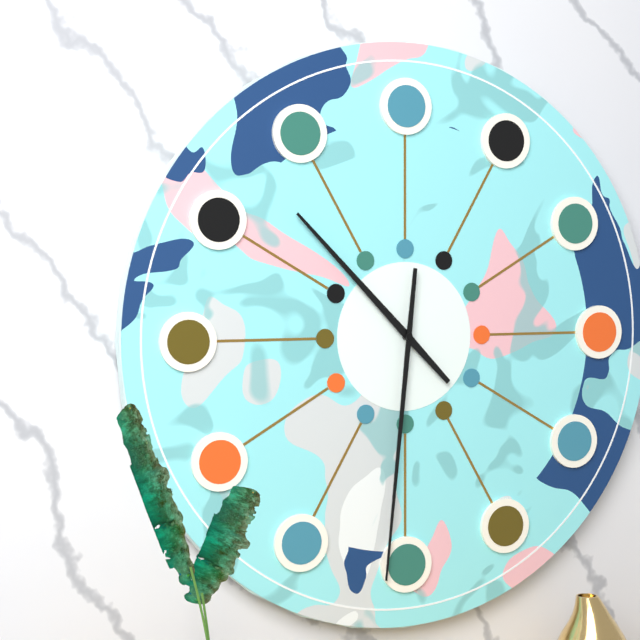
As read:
10,31
